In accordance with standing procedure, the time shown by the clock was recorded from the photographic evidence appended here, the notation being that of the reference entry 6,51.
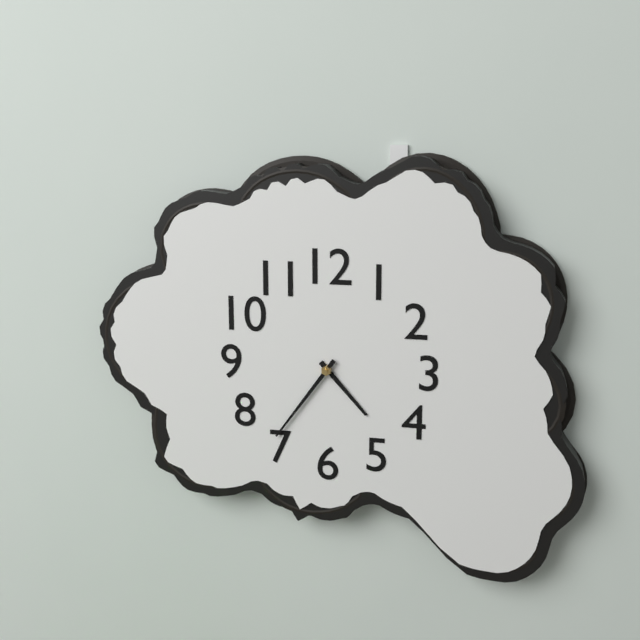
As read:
4,36
